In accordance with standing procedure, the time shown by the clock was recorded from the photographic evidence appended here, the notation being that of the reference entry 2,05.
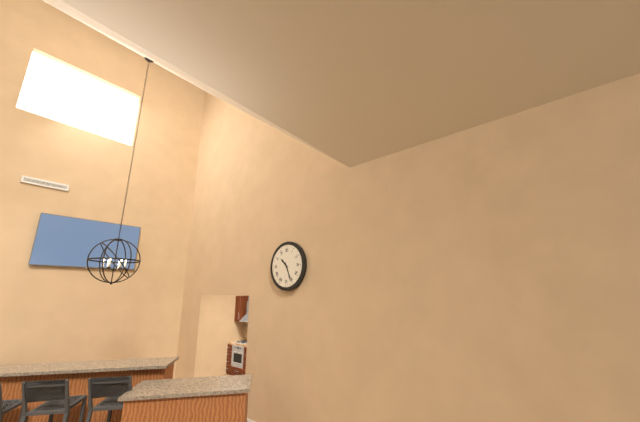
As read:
10,26
